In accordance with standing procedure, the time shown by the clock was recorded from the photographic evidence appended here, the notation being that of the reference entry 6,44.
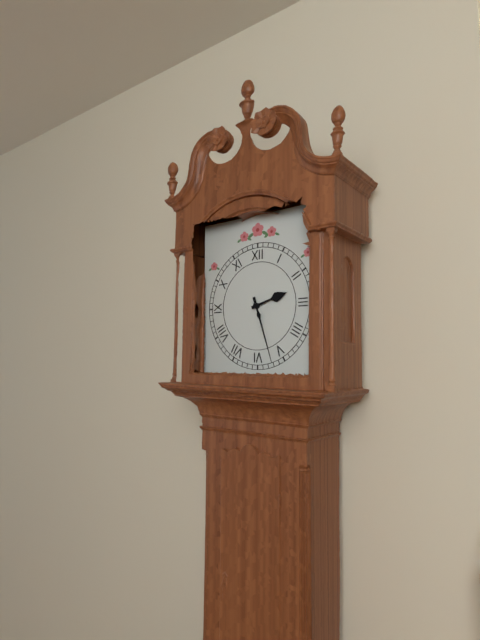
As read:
2,27
